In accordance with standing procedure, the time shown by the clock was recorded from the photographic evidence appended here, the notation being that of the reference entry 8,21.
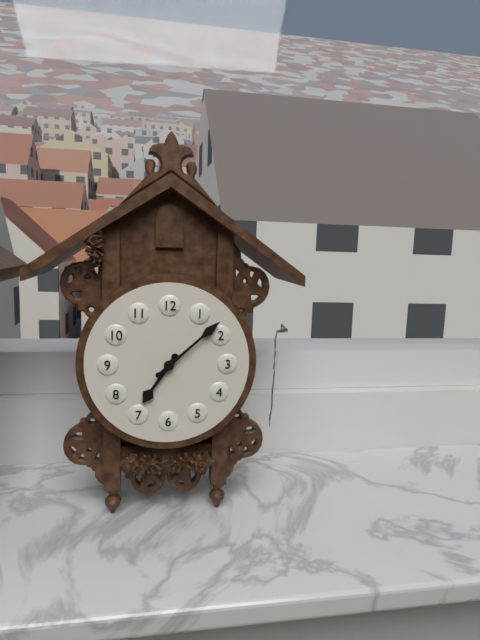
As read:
7,08
